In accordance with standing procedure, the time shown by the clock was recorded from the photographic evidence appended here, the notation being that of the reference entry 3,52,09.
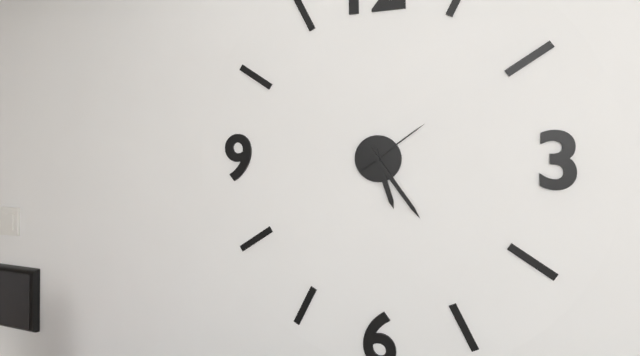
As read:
5,24,09
